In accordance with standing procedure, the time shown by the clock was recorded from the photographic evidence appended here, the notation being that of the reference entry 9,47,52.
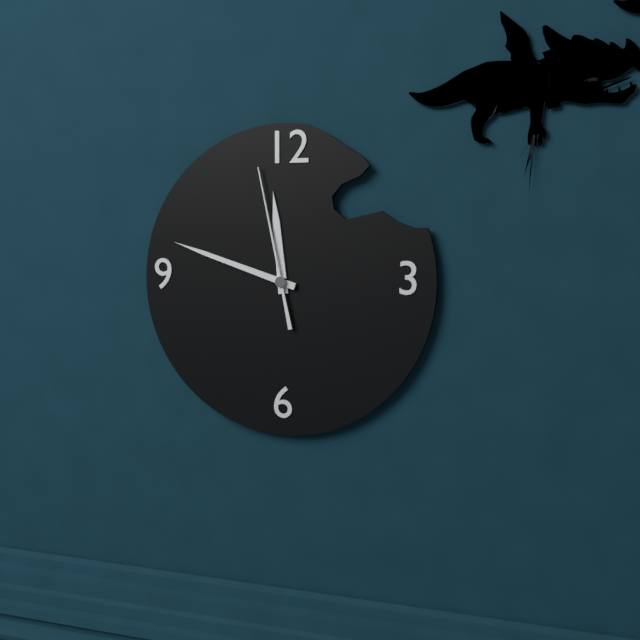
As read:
11,48,58
